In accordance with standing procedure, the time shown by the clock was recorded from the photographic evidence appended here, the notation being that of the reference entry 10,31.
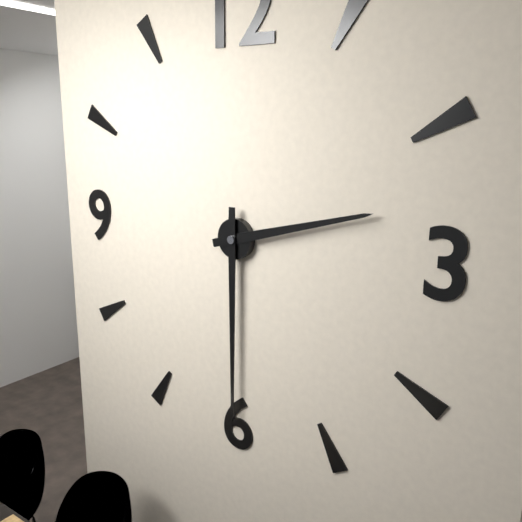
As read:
2,30
